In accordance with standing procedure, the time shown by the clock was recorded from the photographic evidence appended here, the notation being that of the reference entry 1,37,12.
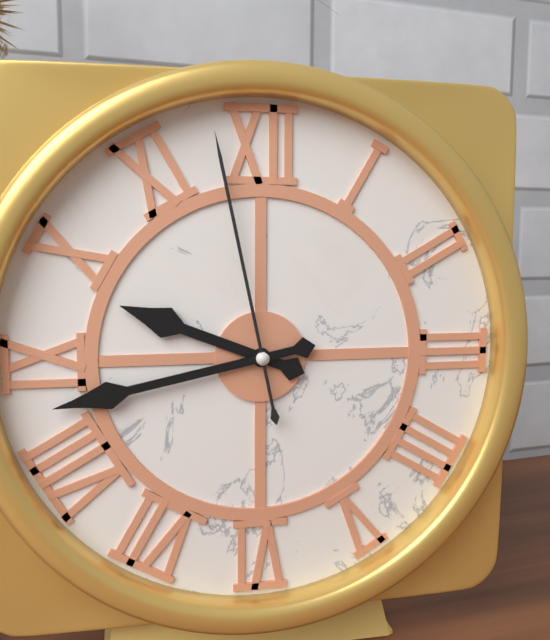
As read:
9,43,58
